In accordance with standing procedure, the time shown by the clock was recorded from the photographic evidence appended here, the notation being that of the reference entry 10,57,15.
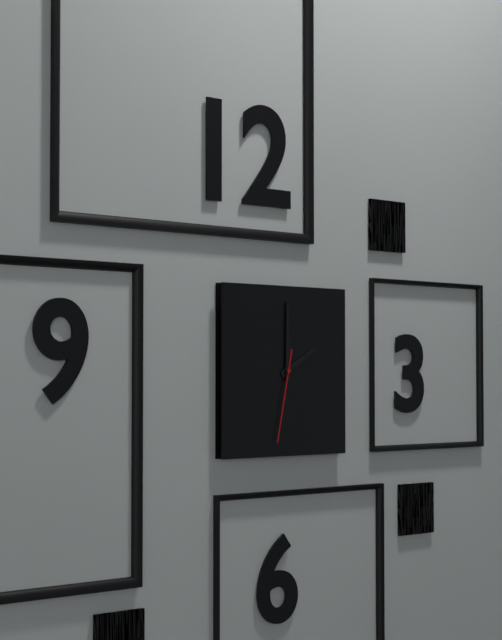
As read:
2,00,32
